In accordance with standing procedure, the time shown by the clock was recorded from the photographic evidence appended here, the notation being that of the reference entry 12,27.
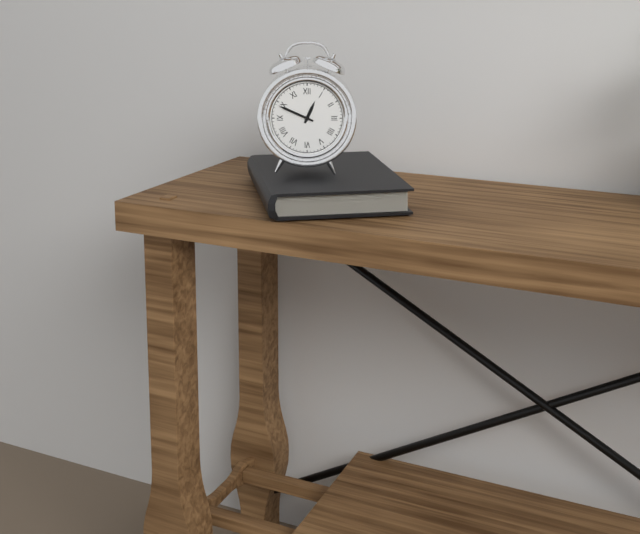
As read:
12,49
